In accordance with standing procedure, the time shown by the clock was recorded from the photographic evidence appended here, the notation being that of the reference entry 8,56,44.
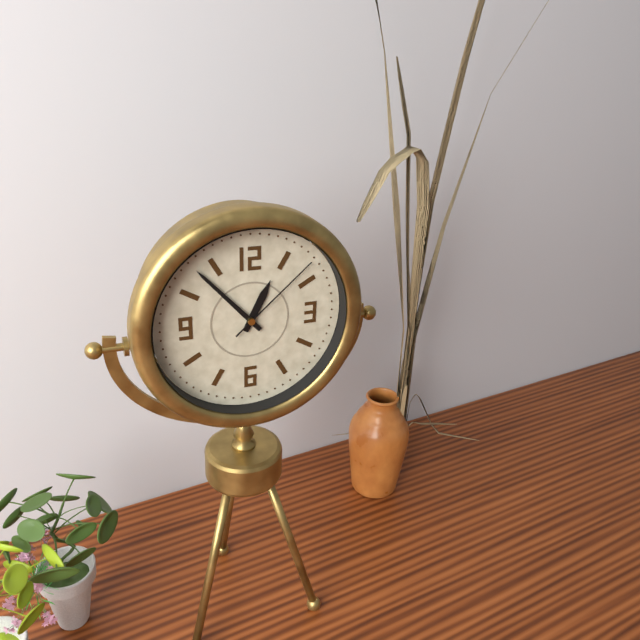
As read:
12,53,08
